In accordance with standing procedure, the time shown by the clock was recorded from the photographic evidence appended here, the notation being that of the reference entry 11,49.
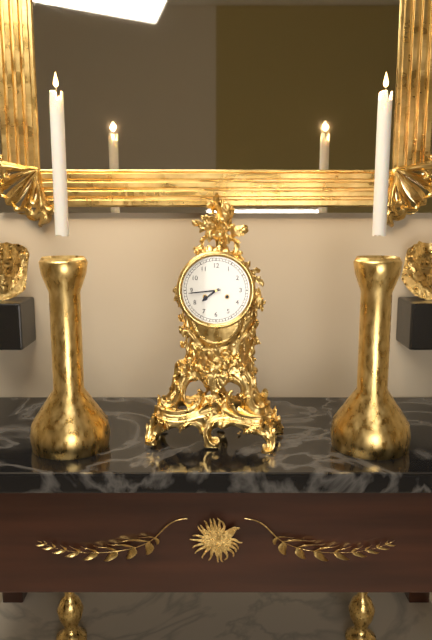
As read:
7,44
